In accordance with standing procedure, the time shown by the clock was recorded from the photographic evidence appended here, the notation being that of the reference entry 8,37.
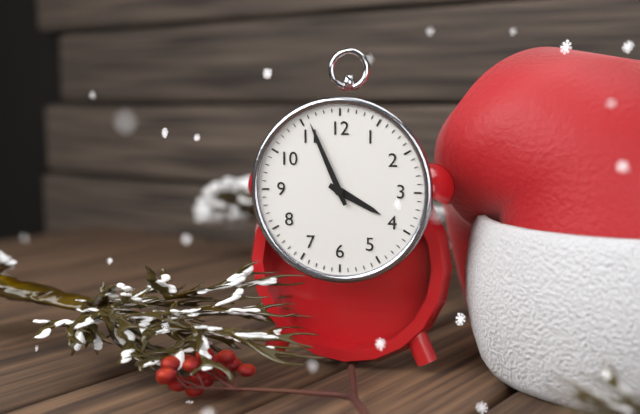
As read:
3,56
